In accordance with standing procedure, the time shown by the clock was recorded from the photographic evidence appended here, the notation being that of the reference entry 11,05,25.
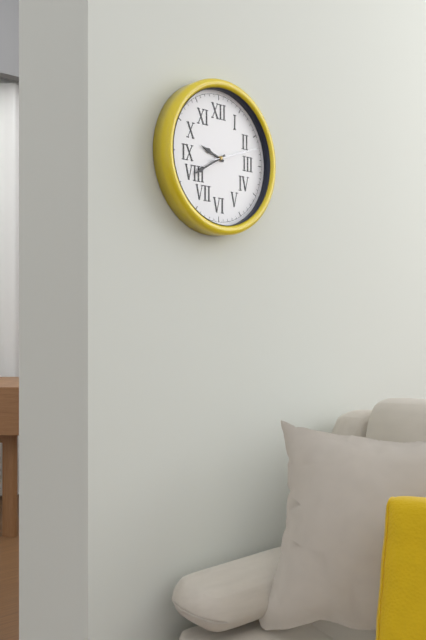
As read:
9,40,12
